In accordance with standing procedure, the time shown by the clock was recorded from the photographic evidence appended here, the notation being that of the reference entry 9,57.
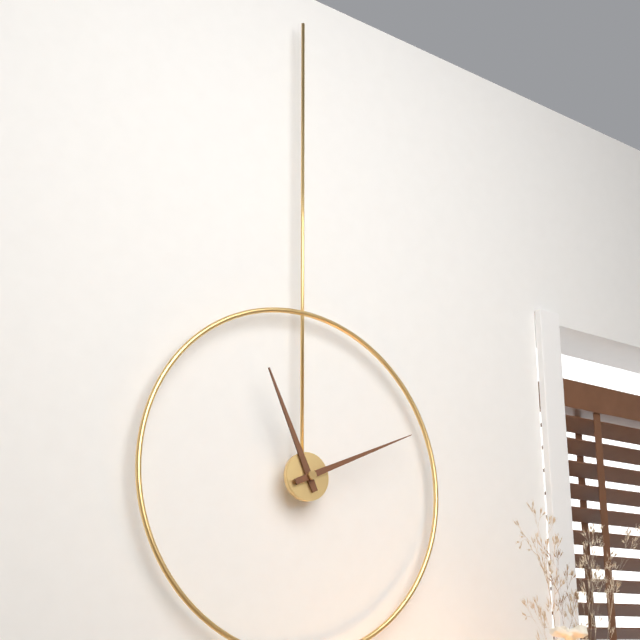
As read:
11,11
